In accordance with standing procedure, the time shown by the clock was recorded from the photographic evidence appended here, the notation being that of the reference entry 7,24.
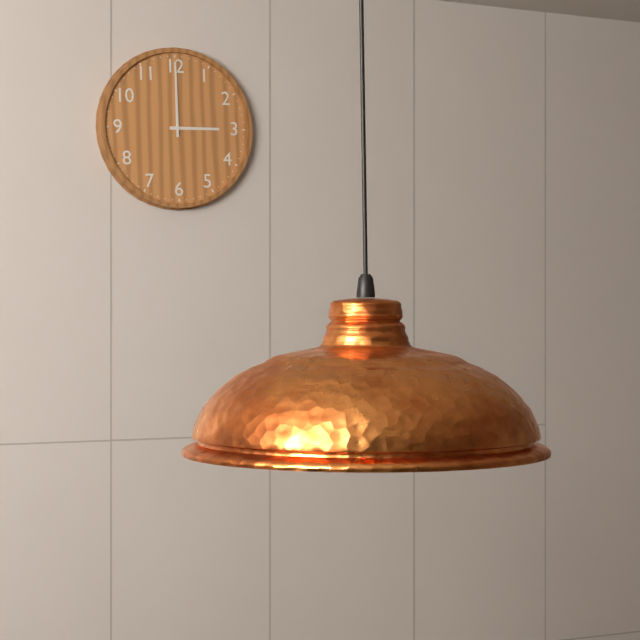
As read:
3,00
